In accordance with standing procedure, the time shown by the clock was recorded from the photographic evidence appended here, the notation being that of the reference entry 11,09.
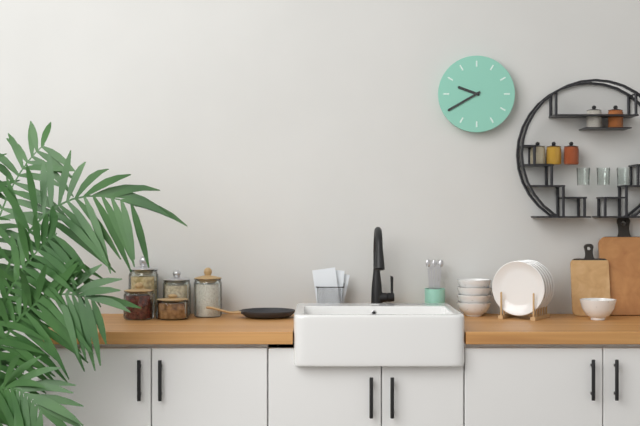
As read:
9,40
